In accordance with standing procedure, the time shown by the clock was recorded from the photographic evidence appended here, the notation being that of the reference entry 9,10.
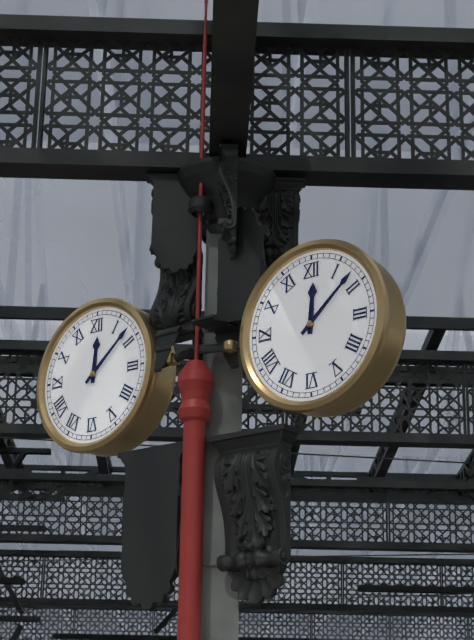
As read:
12,08
